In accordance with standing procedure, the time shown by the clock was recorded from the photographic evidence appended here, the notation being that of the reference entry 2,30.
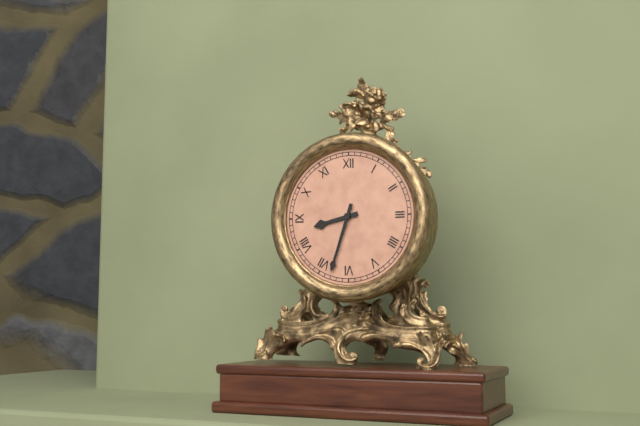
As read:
8,33
